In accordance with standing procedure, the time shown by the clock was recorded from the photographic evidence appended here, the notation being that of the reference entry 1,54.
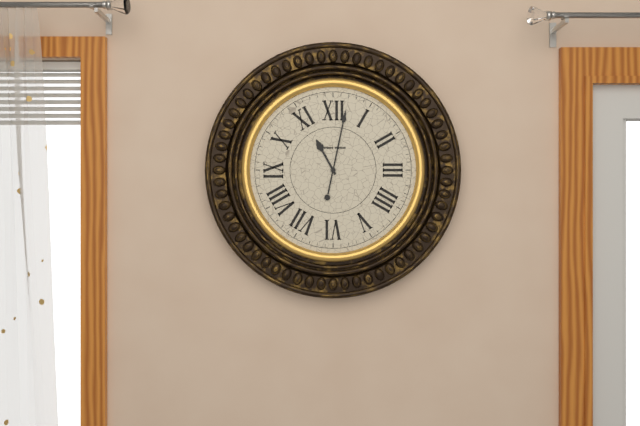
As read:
11,02
